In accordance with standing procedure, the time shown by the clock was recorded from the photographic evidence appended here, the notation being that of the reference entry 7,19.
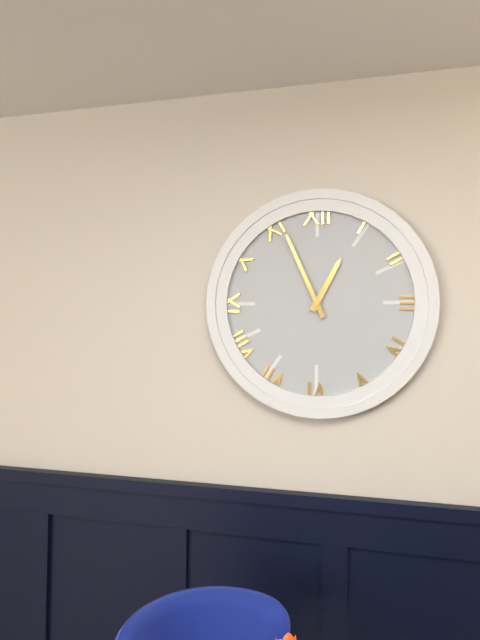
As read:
12,56
